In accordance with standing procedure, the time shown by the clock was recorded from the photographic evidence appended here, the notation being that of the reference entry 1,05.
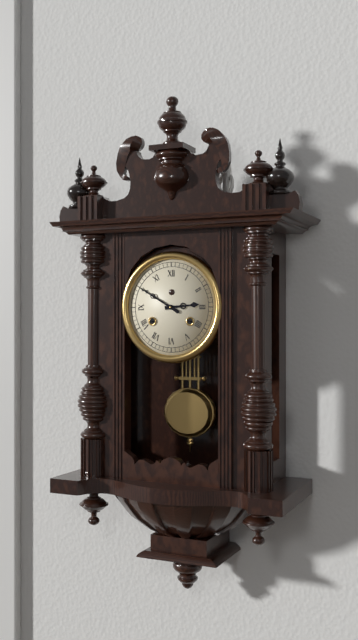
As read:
2,50
